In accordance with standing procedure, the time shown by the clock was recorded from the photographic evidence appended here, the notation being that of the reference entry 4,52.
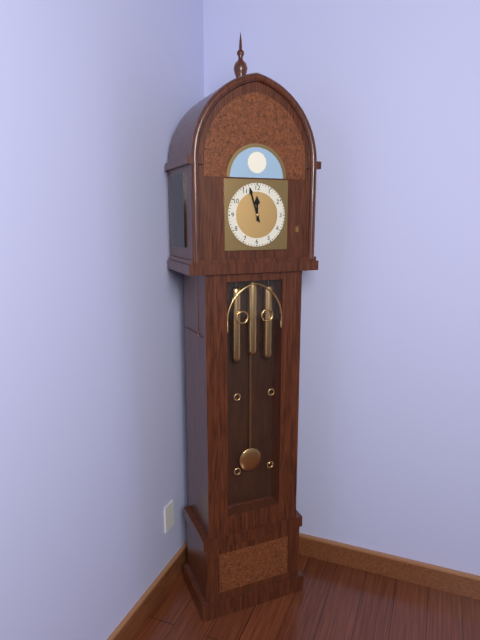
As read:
11,57
